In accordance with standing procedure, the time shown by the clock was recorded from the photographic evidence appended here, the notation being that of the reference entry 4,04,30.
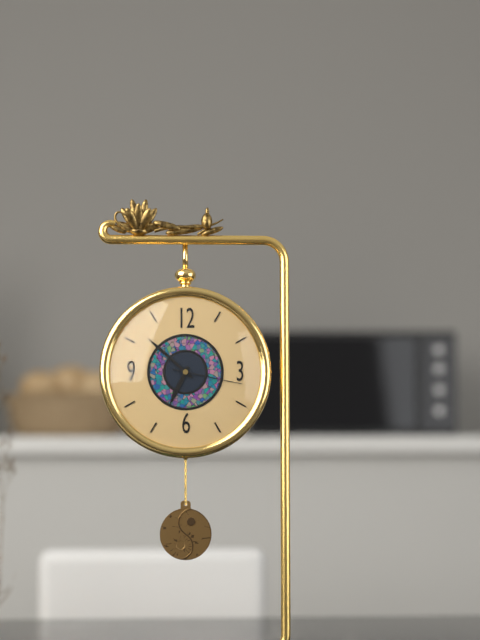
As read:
6,52,17
